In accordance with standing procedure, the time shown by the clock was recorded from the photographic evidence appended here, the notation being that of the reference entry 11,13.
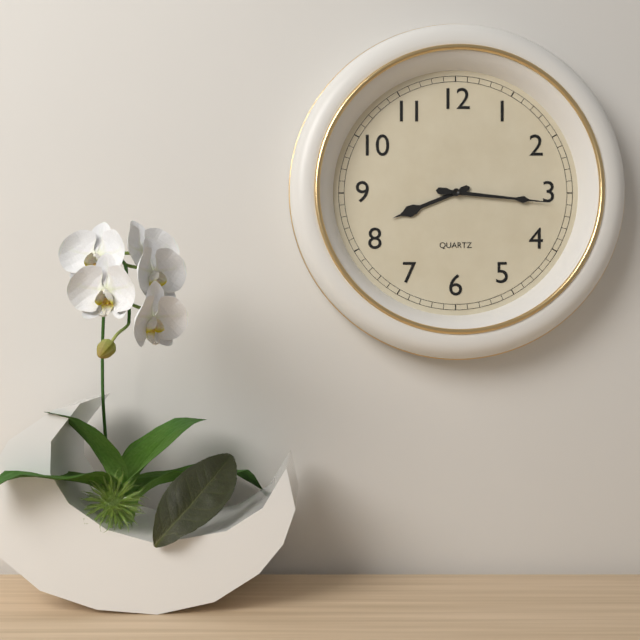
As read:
8,16
